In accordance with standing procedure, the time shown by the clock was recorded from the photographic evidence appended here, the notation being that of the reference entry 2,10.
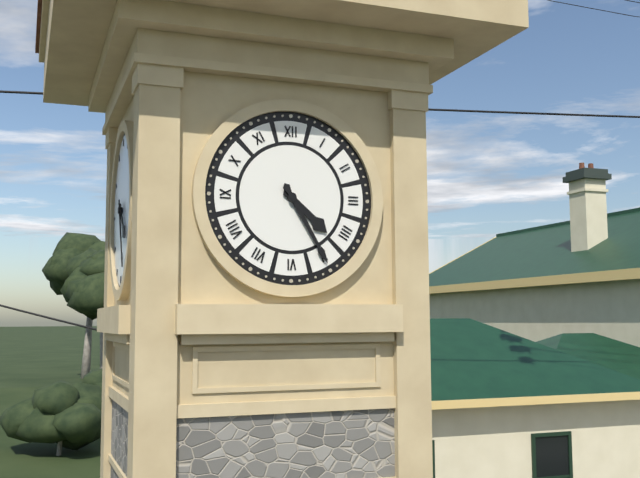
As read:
4,25
